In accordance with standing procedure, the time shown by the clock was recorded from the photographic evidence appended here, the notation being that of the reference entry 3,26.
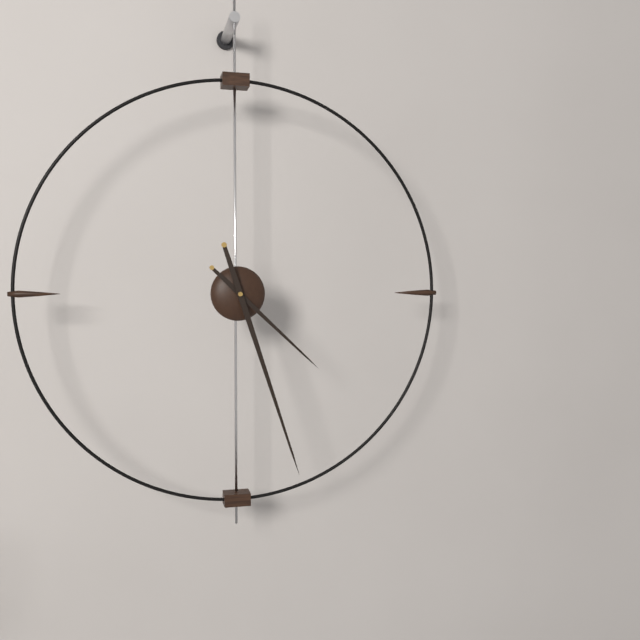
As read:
4,27
